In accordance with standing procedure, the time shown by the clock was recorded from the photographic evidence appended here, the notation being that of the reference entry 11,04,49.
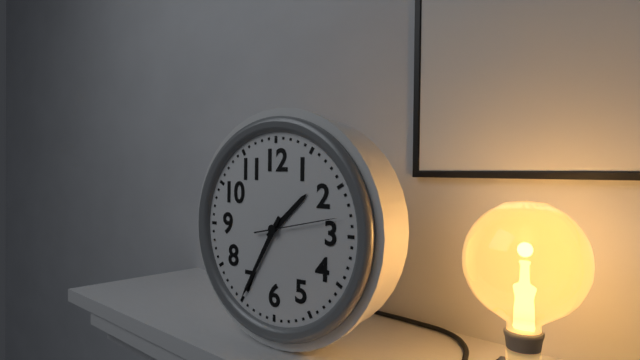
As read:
1,35,13
